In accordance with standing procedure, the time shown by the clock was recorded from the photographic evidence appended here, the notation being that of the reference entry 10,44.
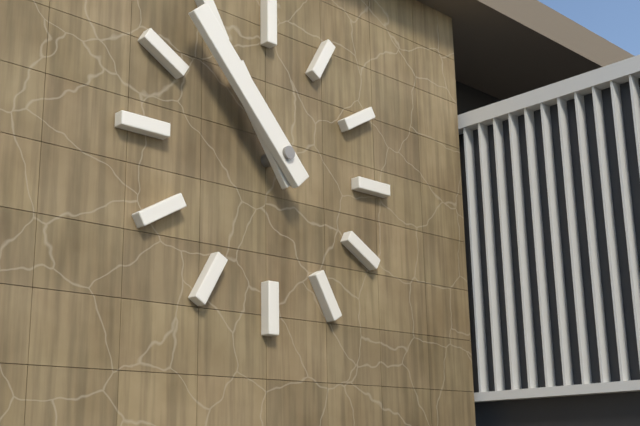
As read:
10,53
